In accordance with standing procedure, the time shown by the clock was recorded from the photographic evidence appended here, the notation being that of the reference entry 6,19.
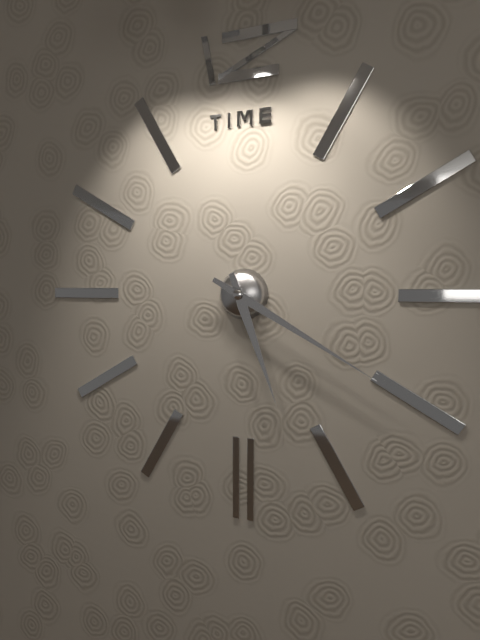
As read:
5,20
